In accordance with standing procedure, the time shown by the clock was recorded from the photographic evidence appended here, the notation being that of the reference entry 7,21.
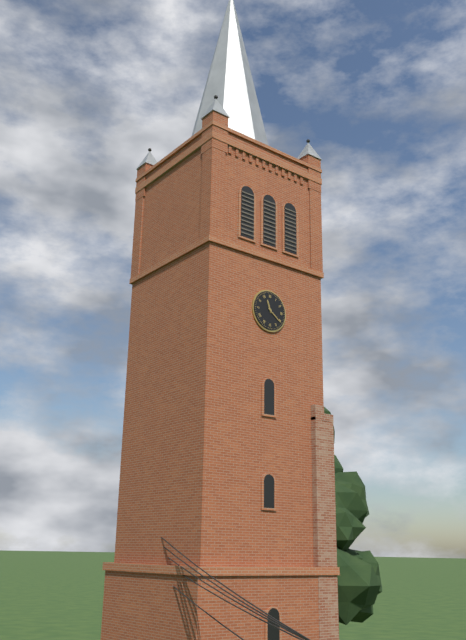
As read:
11,21
